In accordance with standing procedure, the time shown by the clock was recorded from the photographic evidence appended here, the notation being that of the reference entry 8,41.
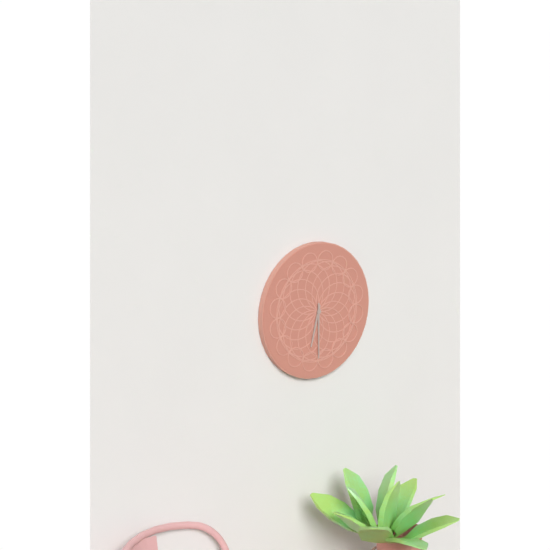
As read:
6,30
